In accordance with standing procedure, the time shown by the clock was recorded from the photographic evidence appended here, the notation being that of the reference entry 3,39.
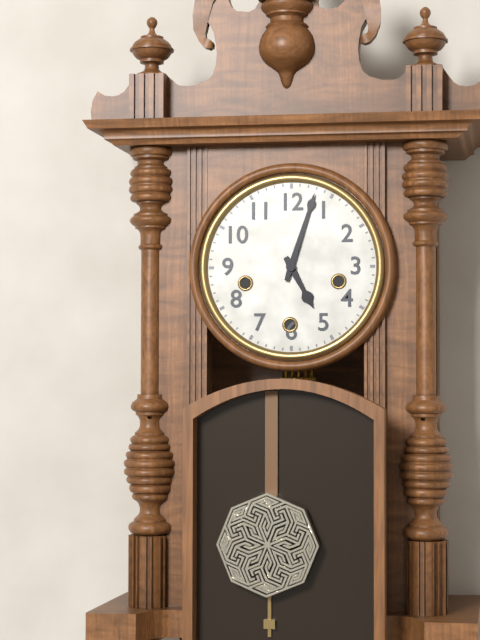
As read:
5,03
